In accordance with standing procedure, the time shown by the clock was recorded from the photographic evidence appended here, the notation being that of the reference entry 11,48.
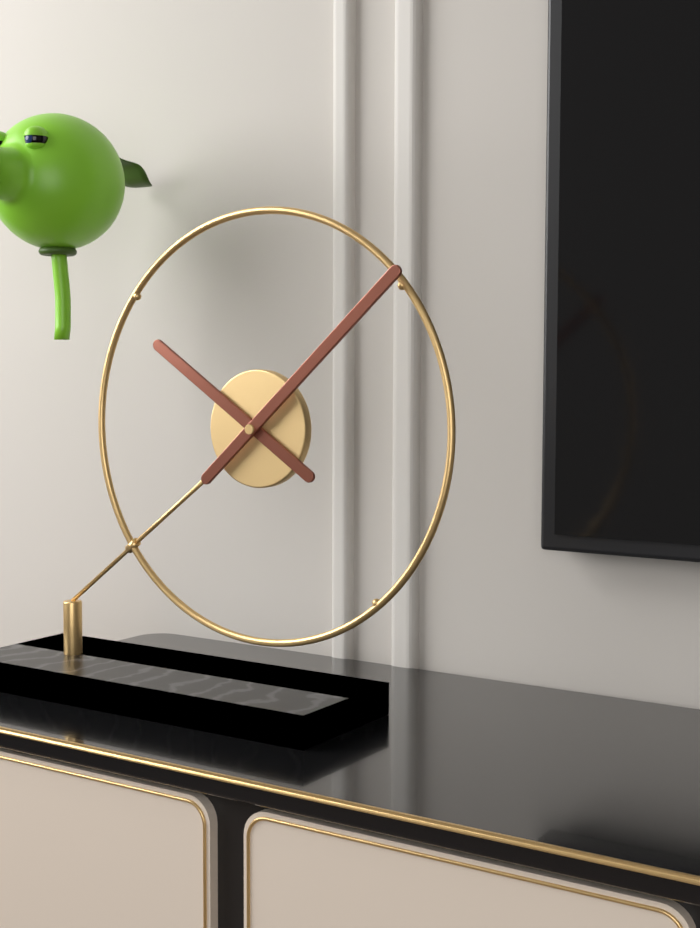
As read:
10,08
